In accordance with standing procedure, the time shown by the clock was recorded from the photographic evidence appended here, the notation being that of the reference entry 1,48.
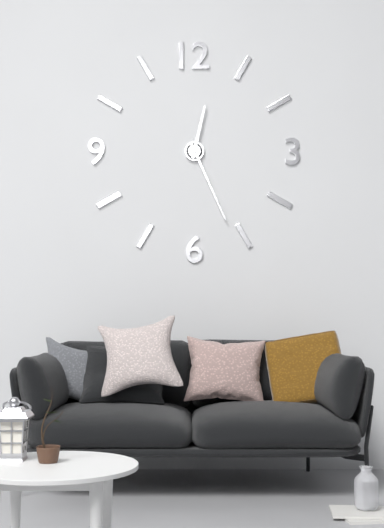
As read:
12,26
